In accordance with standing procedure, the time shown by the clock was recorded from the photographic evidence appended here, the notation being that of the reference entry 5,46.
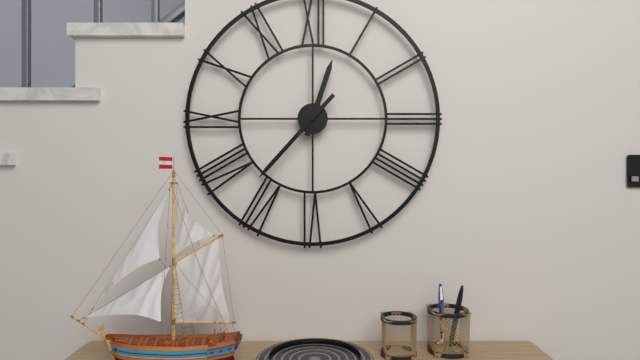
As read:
12,37
